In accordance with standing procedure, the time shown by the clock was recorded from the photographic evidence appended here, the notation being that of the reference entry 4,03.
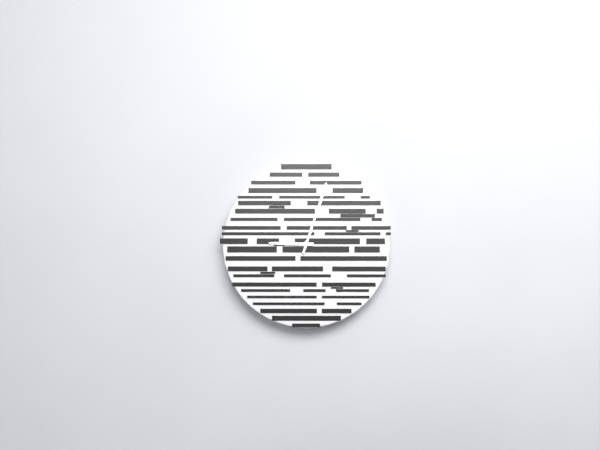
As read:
9,03
